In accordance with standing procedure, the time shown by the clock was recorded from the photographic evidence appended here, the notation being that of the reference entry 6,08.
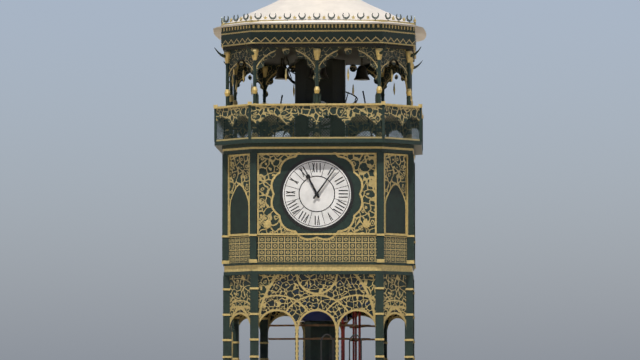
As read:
11,06
